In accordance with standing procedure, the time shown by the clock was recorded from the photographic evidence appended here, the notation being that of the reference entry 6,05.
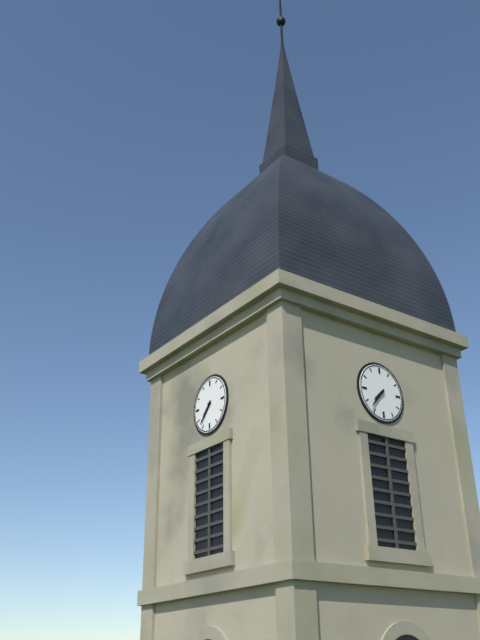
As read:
7,37
